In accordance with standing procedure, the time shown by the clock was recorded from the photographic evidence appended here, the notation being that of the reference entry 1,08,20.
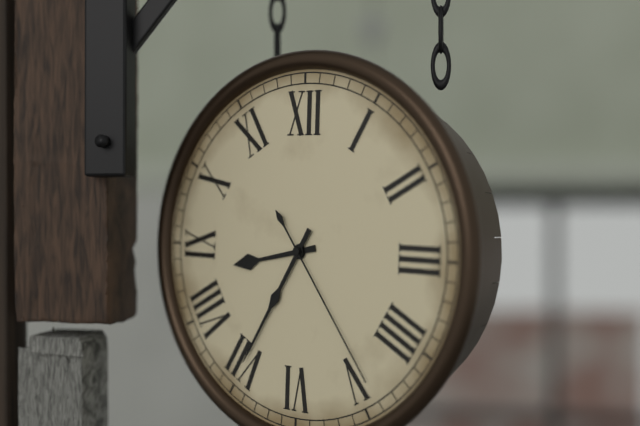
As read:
8,35,24
